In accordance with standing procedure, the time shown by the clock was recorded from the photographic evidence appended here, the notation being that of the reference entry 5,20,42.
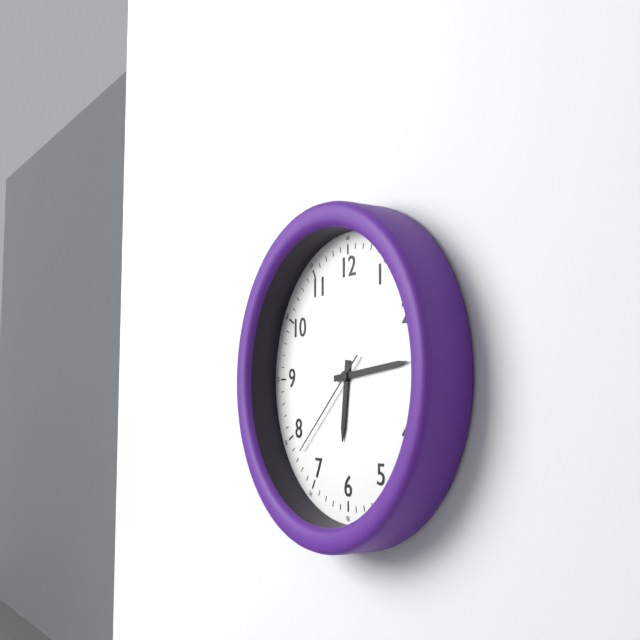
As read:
6,14,38
